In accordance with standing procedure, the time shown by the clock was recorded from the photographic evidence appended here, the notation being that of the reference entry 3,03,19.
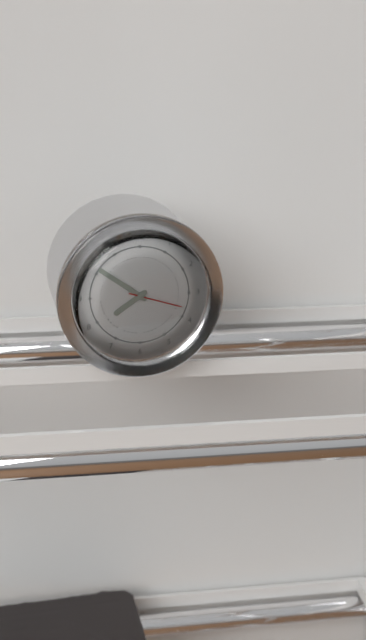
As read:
7,51,18
